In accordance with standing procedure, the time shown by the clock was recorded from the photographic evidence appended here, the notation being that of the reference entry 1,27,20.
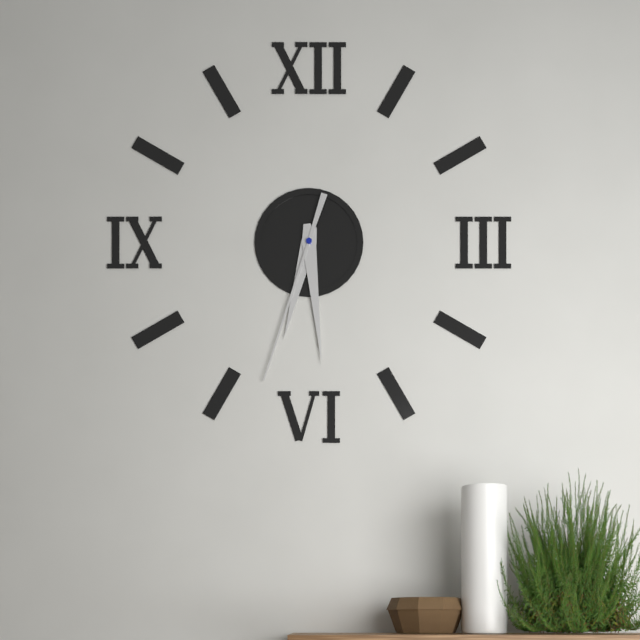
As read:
6,29,33
